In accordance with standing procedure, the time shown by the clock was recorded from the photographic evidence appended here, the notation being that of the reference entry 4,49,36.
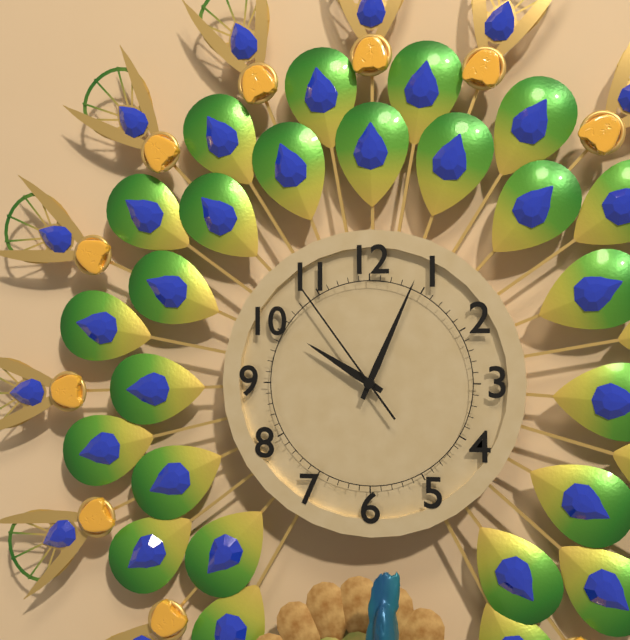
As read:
10,04,54
